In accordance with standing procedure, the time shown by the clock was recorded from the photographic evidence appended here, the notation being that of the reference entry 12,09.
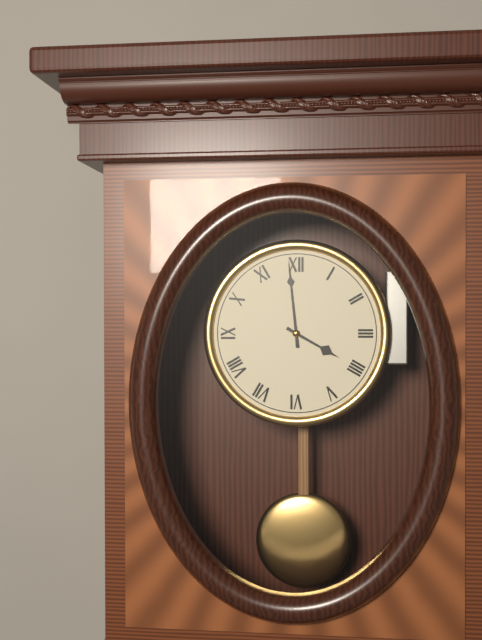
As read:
3,59
